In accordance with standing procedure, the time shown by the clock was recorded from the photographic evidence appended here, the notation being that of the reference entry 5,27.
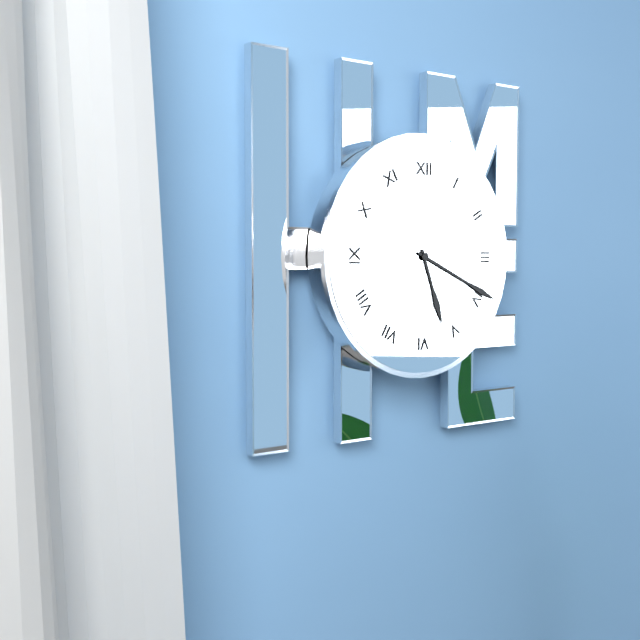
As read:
5,19
